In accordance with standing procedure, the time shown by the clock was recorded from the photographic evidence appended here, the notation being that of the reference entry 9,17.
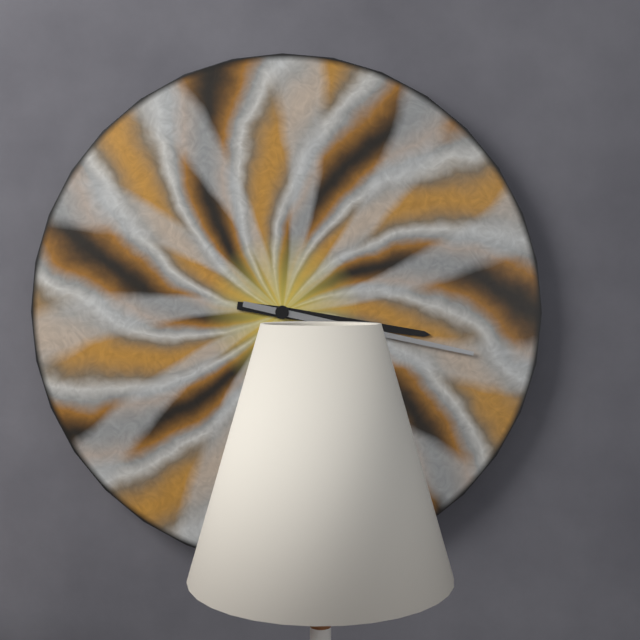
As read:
3,17
